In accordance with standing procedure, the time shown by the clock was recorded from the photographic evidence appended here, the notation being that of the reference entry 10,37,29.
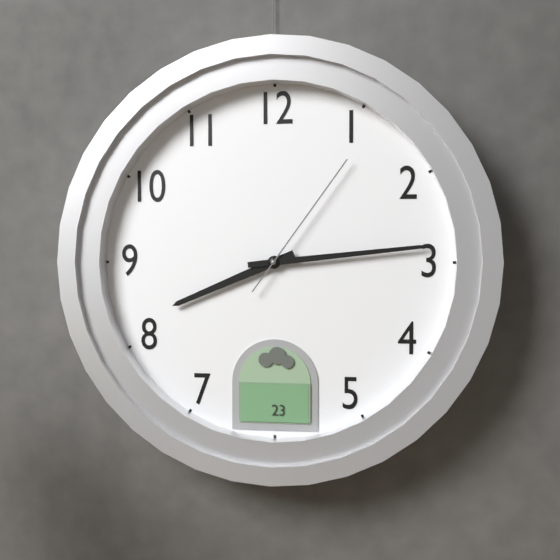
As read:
8,14,06
